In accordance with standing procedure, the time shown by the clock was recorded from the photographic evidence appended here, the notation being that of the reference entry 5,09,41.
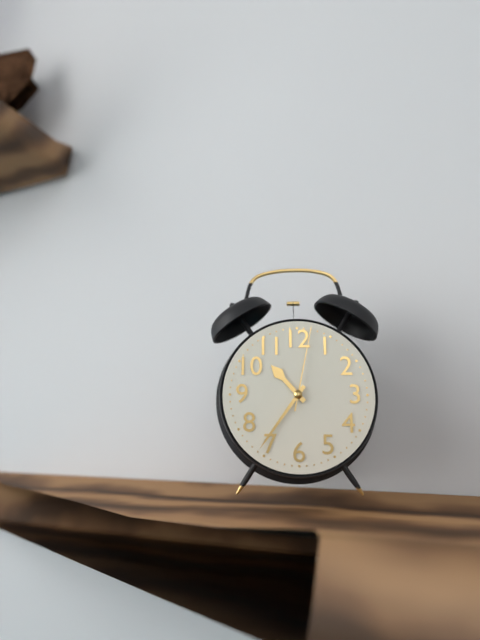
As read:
10,36,02
